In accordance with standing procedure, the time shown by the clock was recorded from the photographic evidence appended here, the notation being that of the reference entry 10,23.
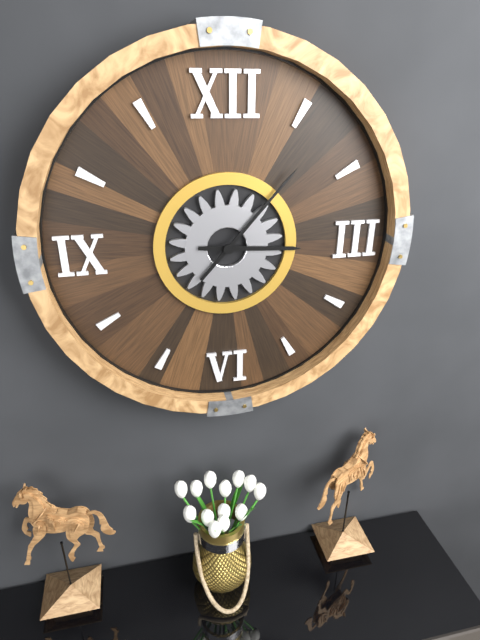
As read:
3,07
